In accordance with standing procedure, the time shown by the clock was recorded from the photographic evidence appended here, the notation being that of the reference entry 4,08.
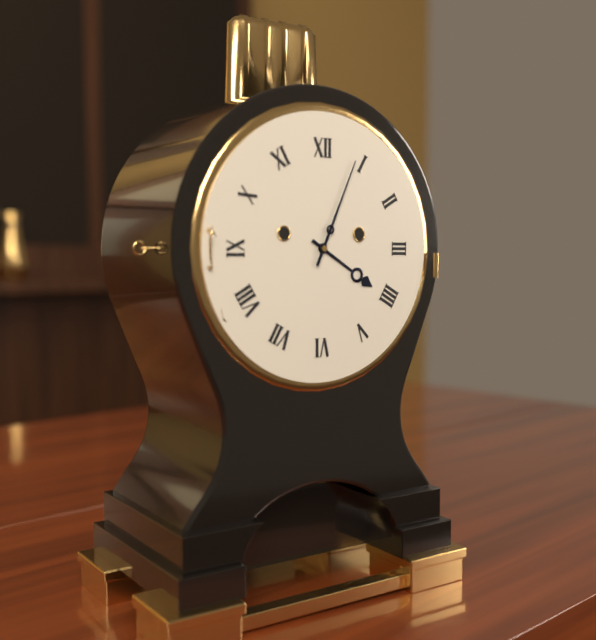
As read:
4,04
